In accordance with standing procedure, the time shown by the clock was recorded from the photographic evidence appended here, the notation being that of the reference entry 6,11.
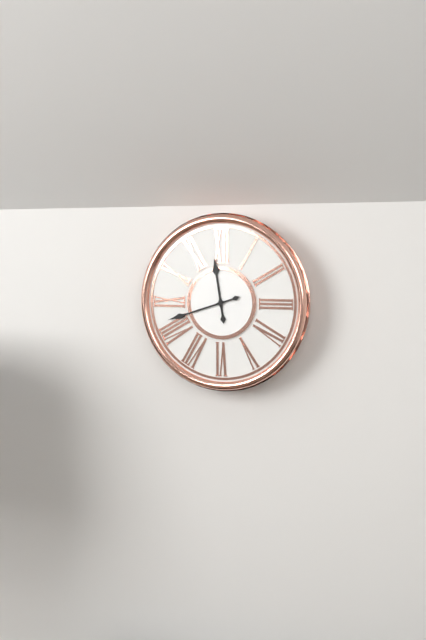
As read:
11,42
